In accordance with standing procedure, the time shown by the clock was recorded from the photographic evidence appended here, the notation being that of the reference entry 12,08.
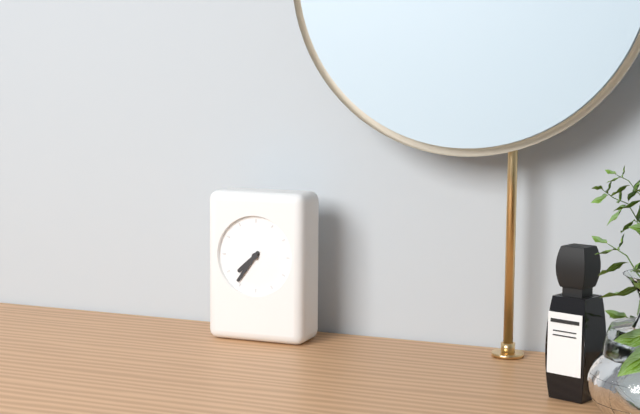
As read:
7,36
